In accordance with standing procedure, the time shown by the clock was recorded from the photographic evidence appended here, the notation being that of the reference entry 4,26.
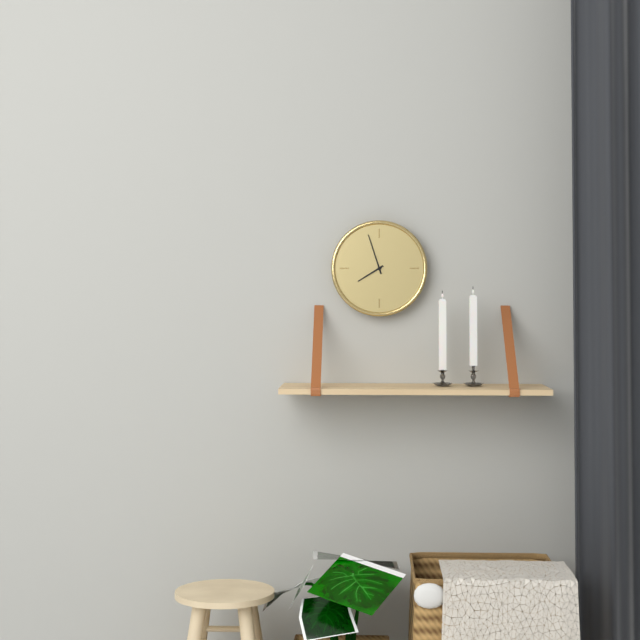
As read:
7,57
